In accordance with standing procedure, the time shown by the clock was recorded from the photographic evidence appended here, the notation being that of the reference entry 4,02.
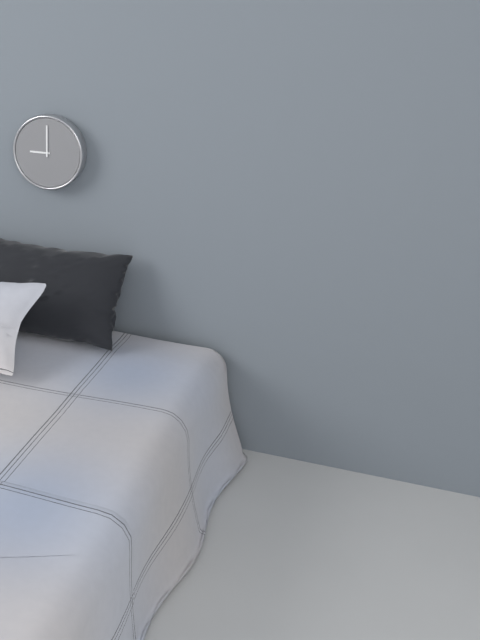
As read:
9,00
